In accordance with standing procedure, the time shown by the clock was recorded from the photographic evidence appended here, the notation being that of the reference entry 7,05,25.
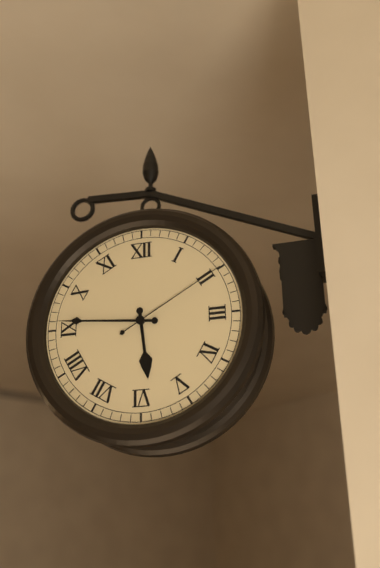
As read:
5,46,10
